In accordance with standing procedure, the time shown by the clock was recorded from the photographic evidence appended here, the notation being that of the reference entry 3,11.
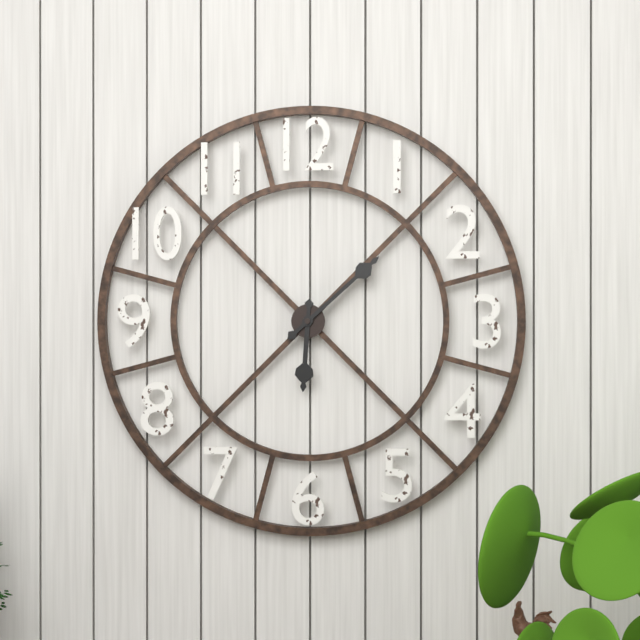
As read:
6,08
